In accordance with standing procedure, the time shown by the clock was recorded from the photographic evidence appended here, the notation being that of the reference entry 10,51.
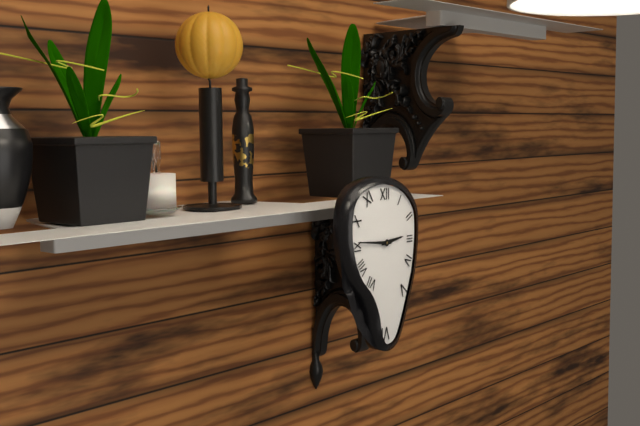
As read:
2,46
